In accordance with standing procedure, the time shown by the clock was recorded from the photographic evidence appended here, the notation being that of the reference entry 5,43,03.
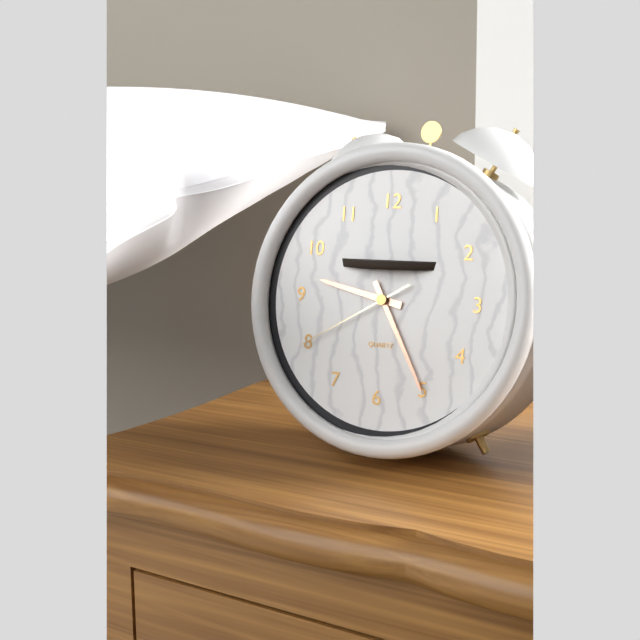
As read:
9,25,40
